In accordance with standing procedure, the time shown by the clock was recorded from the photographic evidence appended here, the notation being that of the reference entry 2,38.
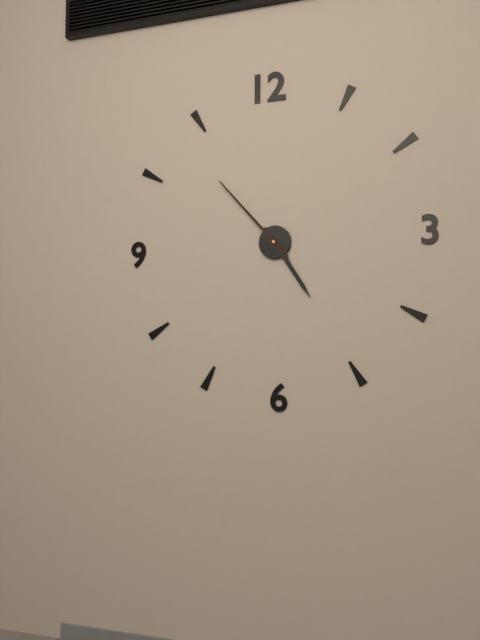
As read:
4,53
